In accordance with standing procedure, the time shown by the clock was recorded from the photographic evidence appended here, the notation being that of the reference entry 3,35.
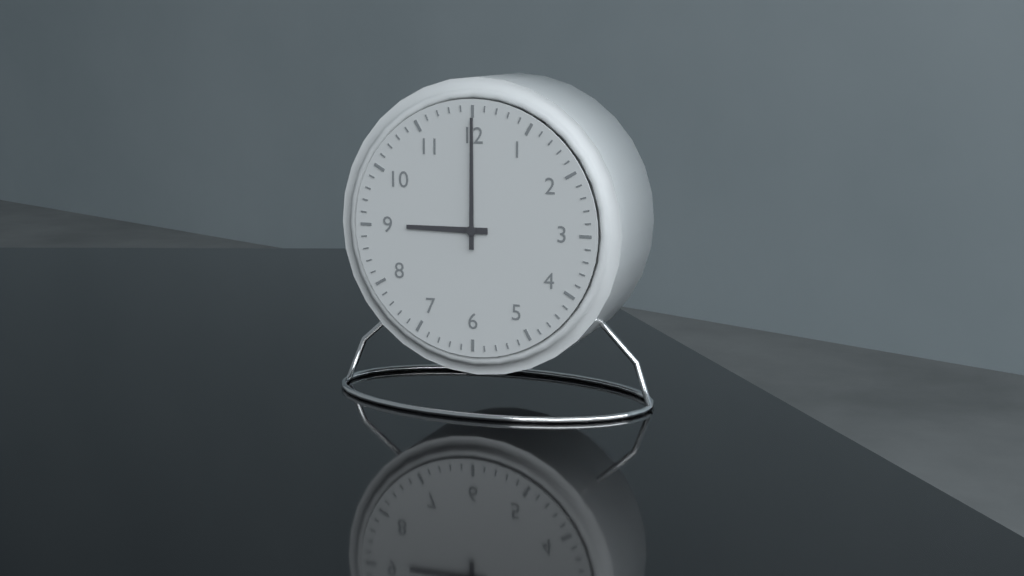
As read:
9,00
